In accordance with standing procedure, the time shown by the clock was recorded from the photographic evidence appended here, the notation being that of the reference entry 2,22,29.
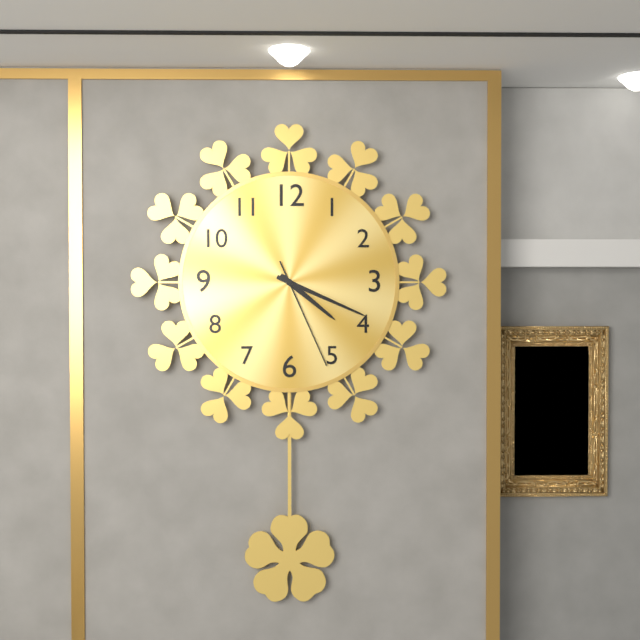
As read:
4,19,26
